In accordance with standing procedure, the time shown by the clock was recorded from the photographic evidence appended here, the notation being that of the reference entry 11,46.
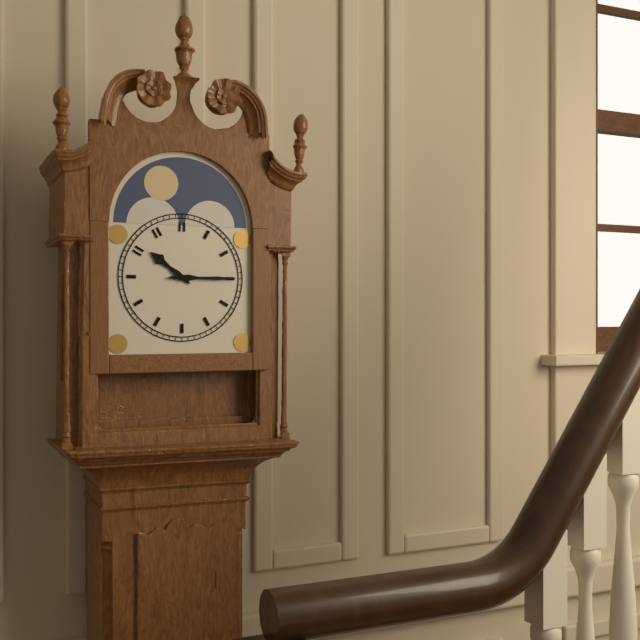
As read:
10,15
